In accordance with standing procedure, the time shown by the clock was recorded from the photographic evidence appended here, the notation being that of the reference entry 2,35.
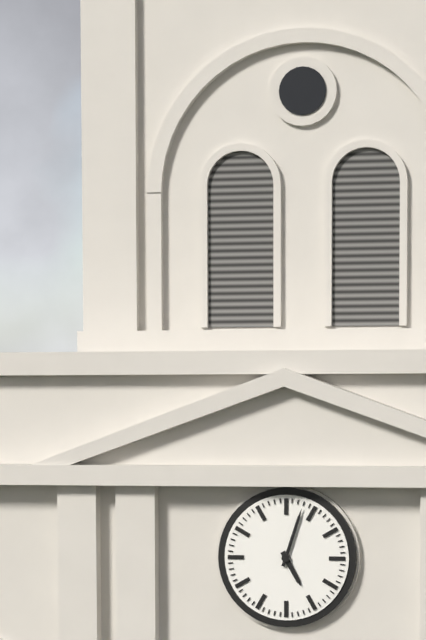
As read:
5,03
